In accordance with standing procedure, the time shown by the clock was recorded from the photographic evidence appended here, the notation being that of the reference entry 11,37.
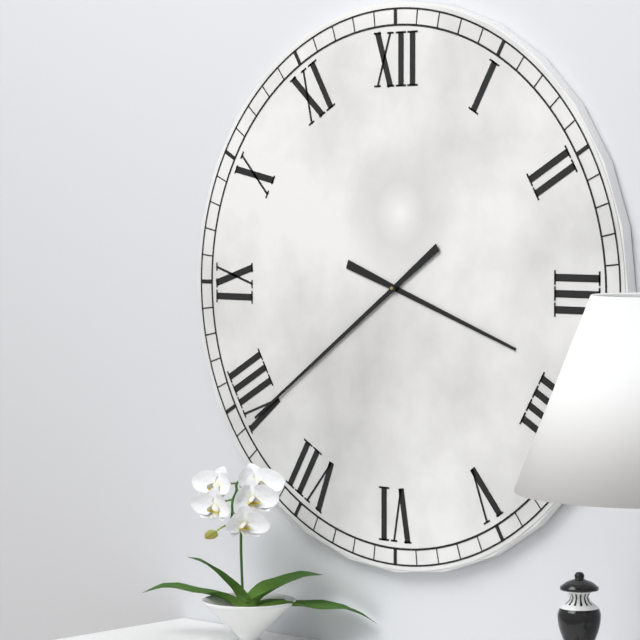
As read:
3,39
